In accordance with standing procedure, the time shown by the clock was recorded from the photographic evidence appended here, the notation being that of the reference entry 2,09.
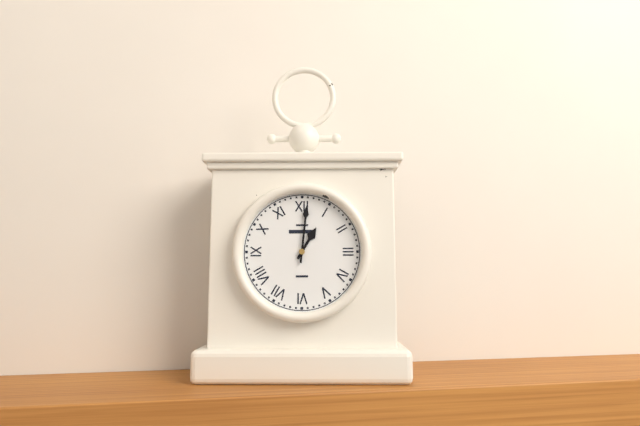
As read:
1,01
